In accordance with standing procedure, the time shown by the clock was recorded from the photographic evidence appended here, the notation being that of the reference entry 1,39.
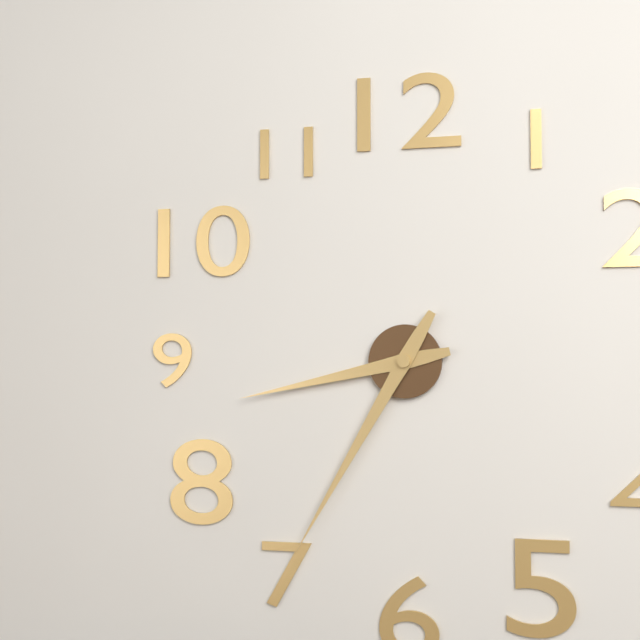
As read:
8,35
